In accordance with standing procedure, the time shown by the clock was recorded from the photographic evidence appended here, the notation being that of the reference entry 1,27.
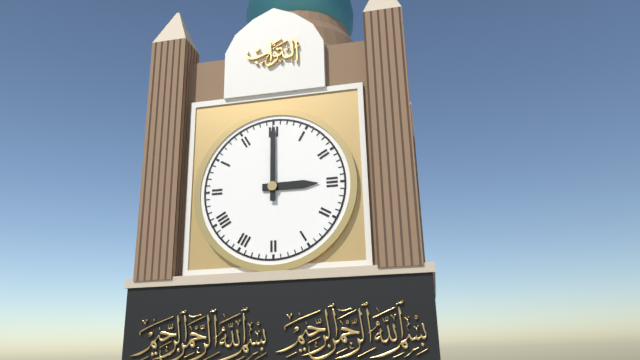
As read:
3,00
